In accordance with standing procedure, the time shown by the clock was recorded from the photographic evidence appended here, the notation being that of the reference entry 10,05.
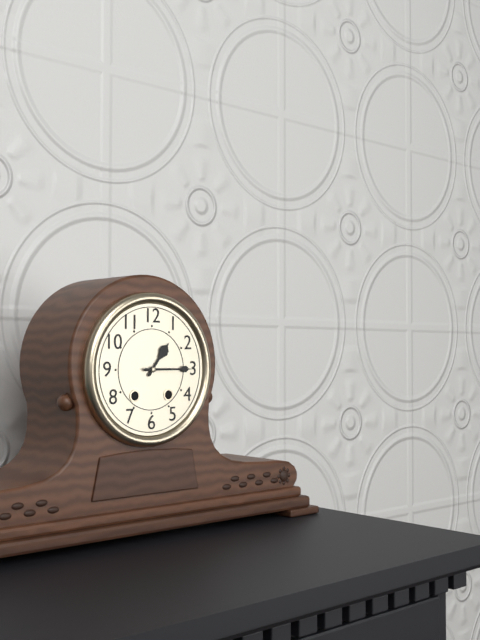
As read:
1,15
